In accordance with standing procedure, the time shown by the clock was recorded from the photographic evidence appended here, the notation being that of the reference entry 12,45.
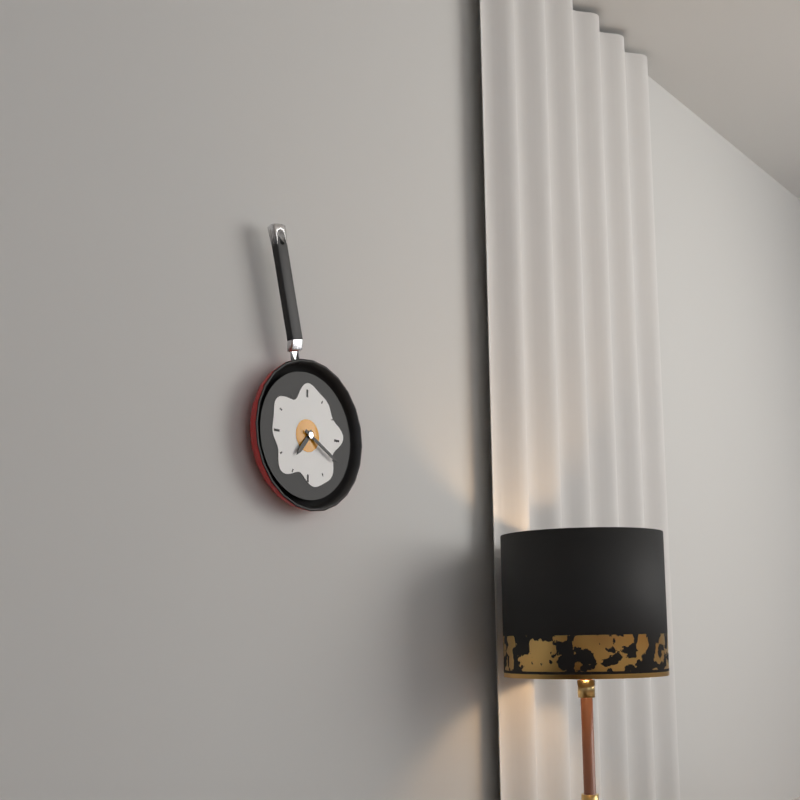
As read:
7,20
